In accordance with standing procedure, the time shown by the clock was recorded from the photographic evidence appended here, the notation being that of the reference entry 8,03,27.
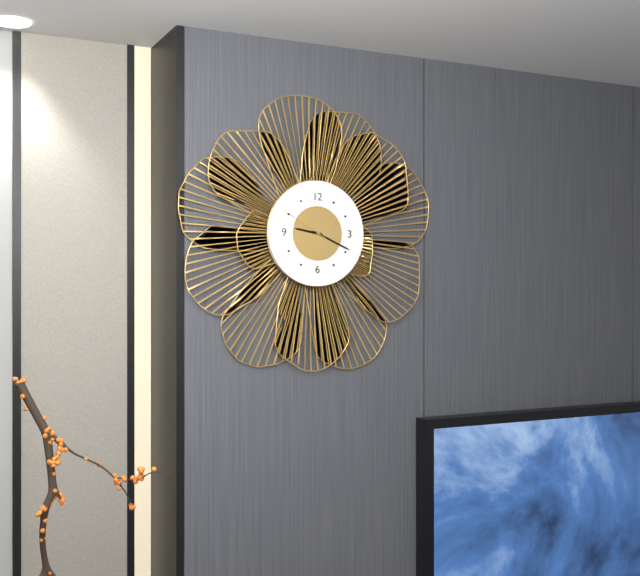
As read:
9,19,50
